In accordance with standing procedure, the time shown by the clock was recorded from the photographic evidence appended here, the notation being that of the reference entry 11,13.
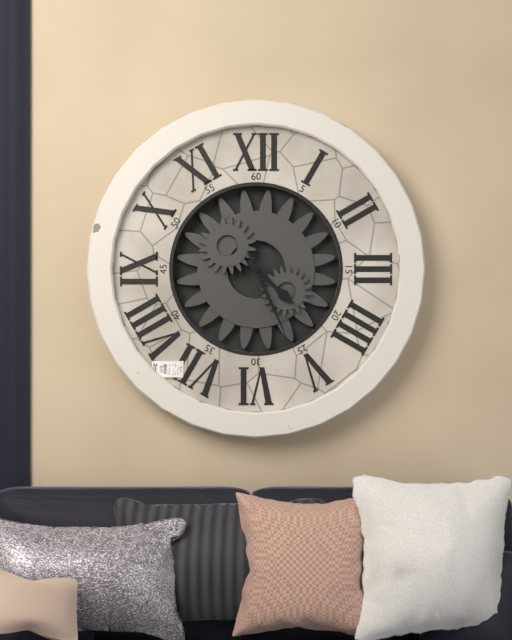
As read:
4,26
